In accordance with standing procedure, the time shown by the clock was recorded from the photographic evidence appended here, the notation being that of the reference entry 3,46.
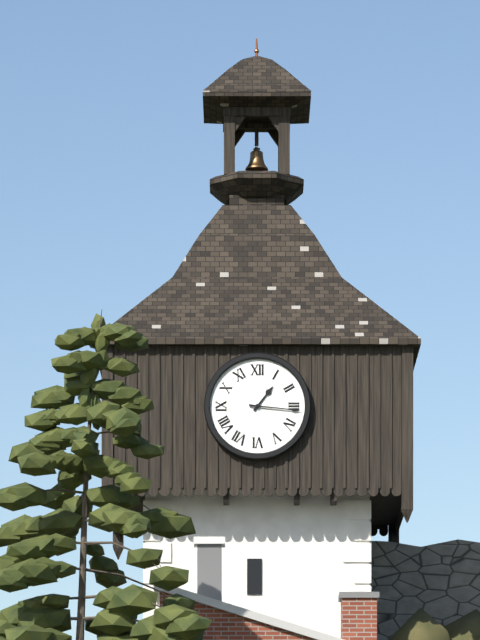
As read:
1,16
